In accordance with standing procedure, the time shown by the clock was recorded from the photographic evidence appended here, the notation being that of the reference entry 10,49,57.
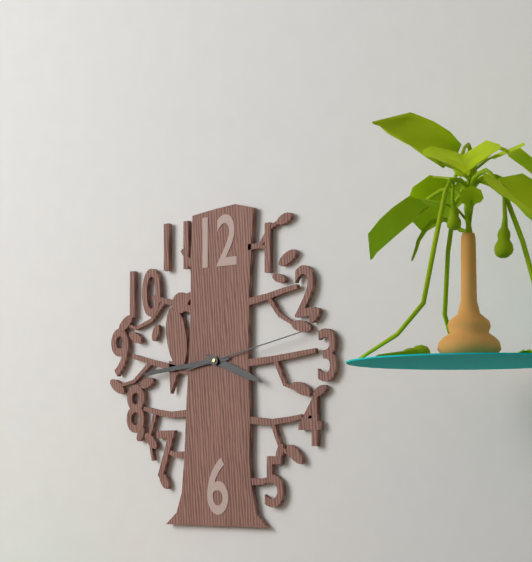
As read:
3,44,13
